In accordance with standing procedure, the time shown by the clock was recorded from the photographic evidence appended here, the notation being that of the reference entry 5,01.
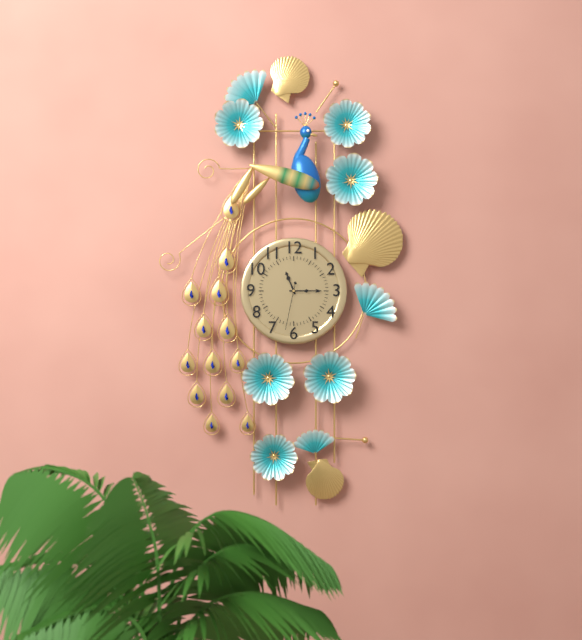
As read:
11,15
